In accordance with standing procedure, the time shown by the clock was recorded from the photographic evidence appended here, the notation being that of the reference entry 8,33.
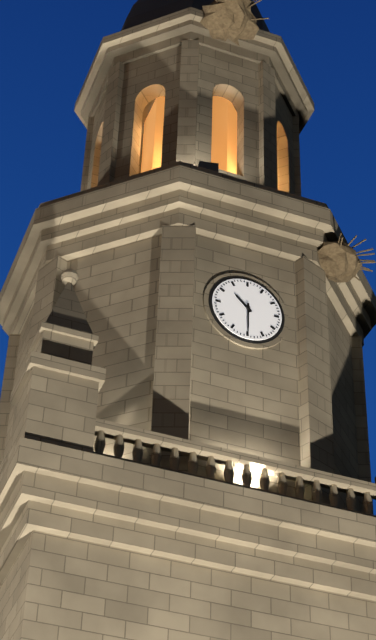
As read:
10,30
